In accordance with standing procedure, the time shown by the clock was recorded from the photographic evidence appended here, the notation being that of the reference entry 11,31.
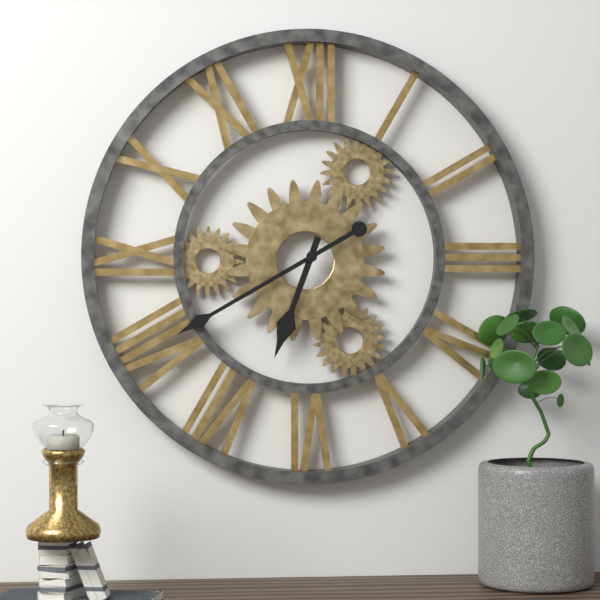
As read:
6,40
